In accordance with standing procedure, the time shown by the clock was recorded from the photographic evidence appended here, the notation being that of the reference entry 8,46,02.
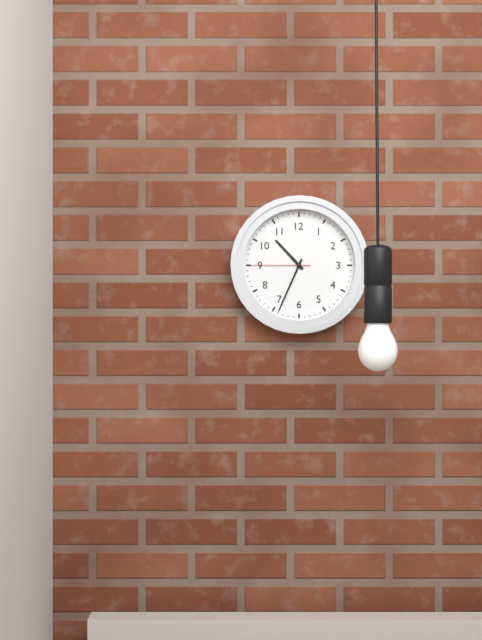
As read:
10,34,45
